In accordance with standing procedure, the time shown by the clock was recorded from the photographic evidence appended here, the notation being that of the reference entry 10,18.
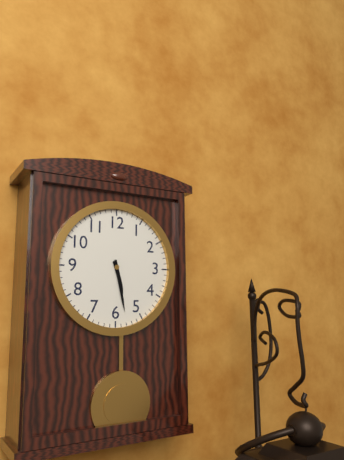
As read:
5,28
